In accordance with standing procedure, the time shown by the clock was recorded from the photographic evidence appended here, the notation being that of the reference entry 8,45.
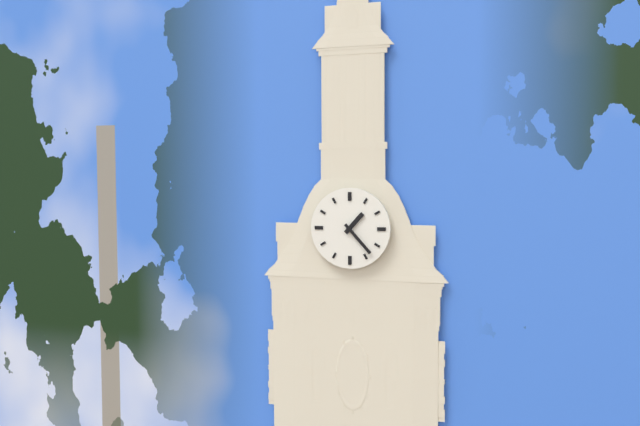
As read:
1,23
